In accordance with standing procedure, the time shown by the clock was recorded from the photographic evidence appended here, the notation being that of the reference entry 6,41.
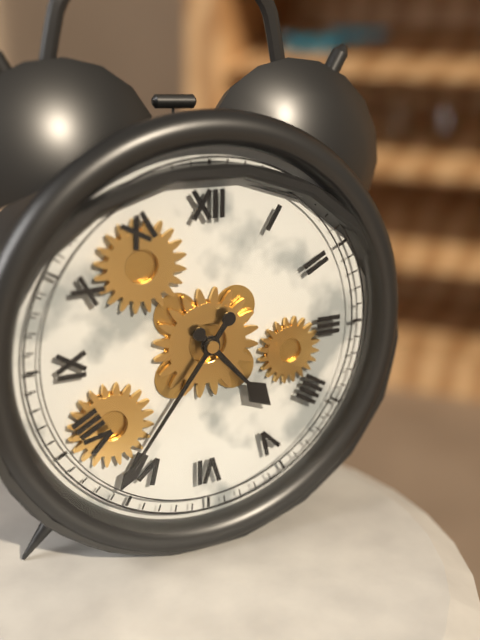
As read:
4,36
